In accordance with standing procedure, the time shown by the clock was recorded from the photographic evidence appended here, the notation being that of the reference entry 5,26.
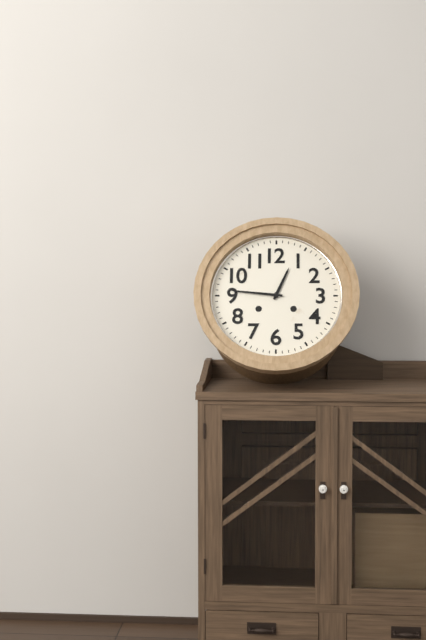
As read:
12,46
